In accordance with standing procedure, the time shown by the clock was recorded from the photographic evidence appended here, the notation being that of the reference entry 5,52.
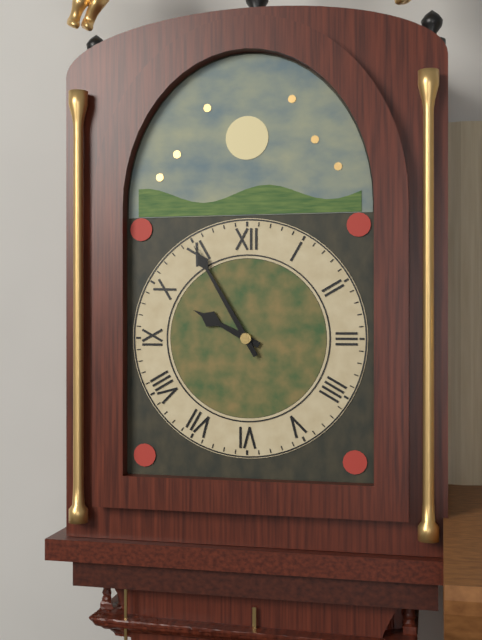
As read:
9,55
